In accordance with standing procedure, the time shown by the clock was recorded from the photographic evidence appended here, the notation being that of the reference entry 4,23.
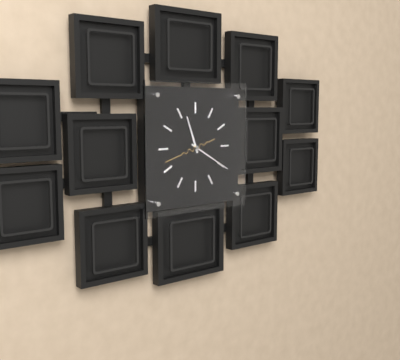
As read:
11,20
